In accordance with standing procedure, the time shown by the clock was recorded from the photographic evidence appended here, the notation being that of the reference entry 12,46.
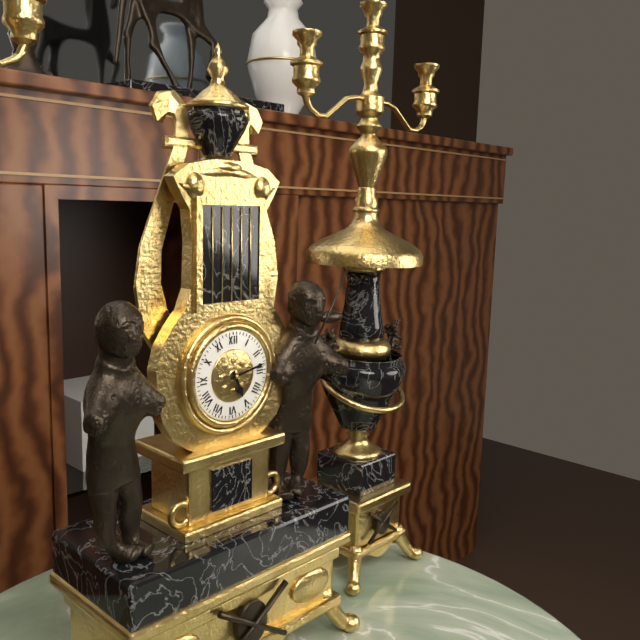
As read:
5,13
